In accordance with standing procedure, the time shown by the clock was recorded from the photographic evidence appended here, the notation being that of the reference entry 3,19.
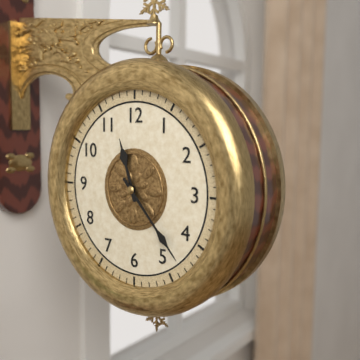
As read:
11,23
